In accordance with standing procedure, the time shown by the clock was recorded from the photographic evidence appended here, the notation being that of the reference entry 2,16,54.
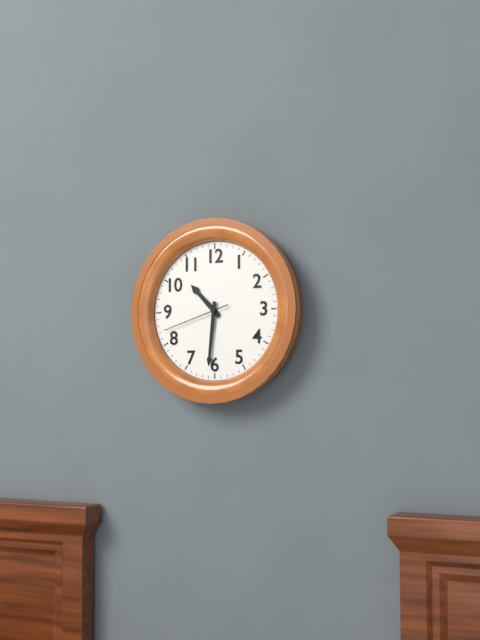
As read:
10,31,42
